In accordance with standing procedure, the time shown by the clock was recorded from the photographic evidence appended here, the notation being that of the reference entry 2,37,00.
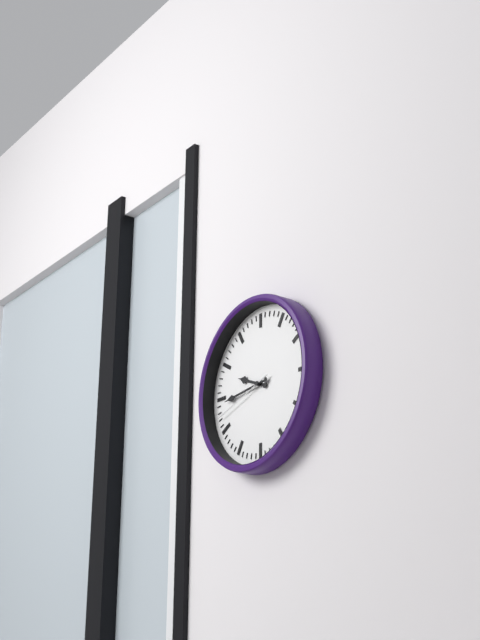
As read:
9,44,42
